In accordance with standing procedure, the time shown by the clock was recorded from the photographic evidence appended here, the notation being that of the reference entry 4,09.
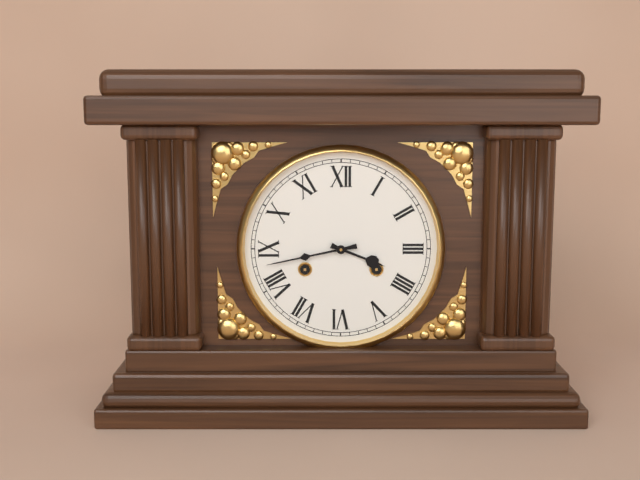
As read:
3,43
